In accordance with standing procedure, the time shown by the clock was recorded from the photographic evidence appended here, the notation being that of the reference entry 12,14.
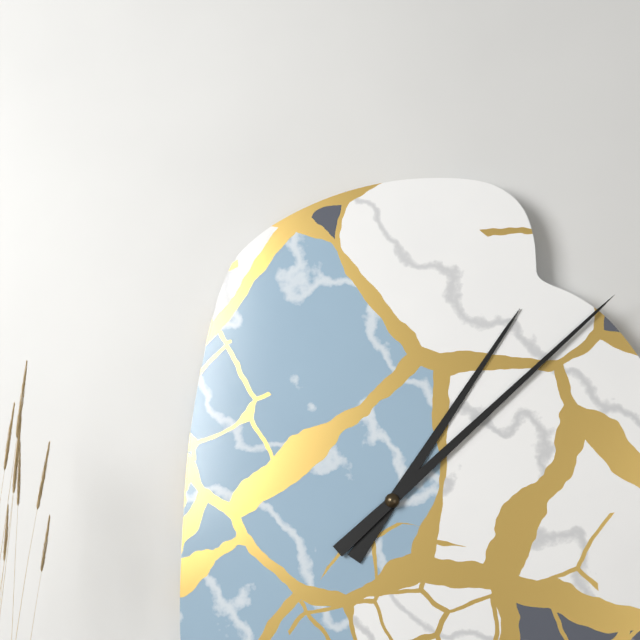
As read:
1,08
